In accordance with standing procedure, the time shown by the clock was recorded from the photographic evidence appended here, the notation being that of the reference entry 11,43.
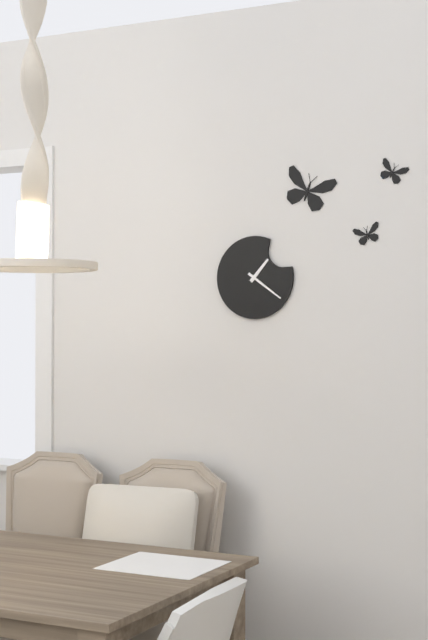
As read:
1,21
